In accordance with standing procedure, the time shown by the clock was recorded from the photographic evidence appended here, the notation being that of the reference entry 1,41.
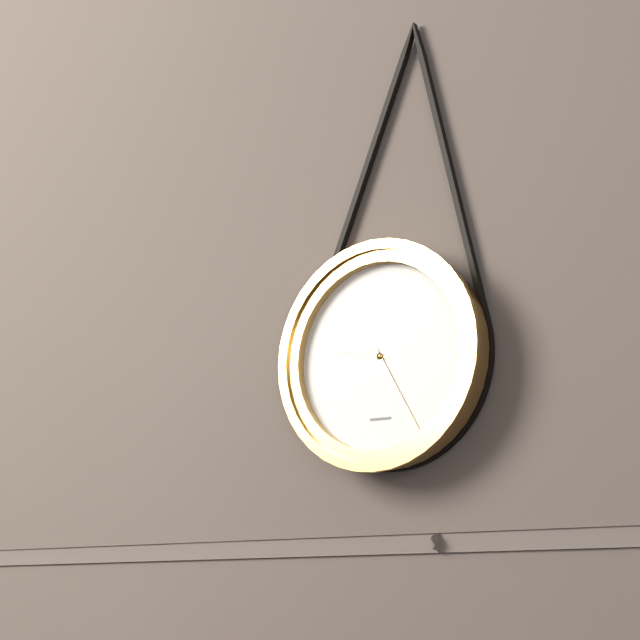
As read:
9,25
